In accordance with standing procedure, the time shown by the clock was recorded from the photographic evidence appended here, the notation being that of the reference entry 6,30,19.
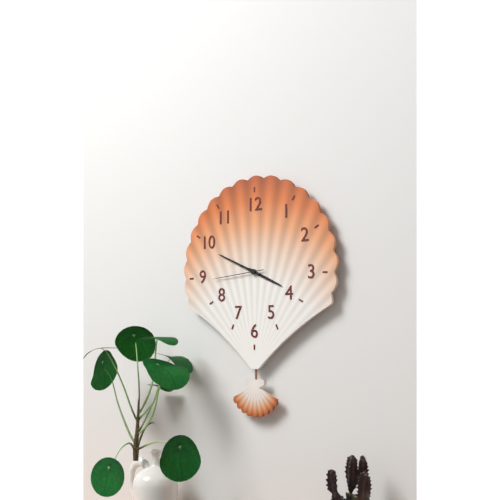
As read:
3,49,44
